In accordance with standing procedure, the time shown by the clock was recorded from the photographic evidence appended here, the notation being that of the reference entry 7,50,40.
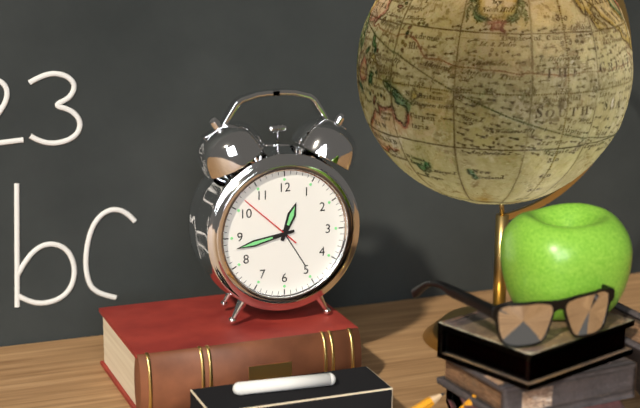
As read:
12,43,52
